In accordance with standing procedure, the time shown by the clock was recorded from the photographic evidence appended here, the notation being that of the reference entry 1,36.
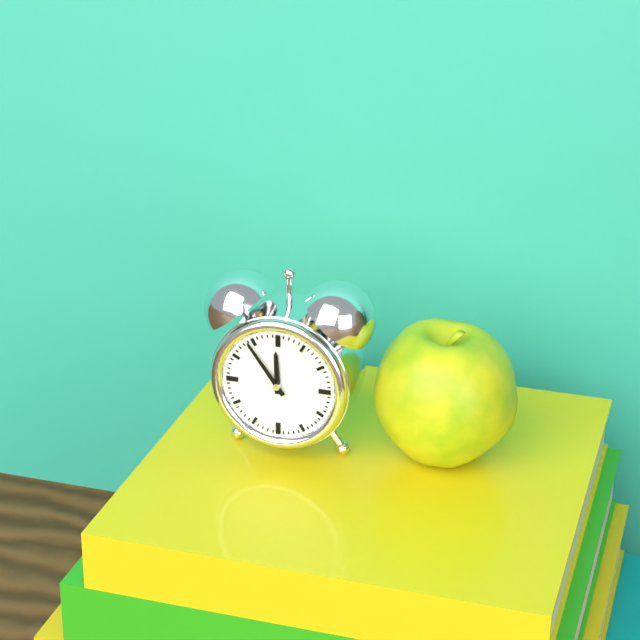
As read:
11,54
